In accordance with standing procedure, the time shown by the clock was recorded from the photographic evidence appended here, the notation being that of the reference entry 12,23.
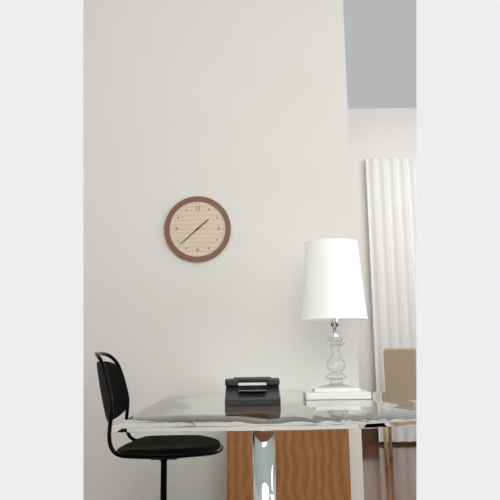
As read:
1,38
